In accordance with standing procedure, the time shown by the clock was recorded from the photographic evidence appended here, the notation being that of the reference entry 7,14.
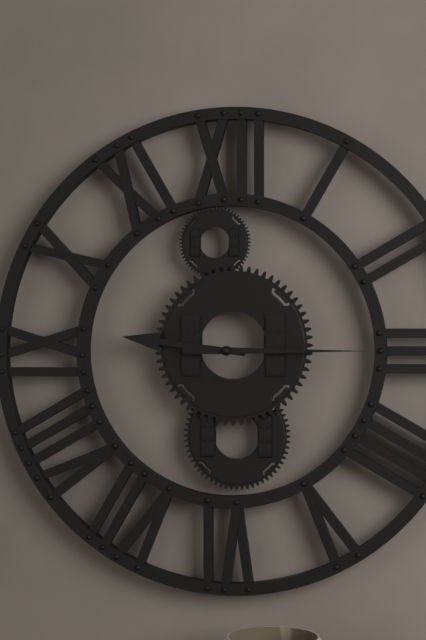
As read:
9,15
